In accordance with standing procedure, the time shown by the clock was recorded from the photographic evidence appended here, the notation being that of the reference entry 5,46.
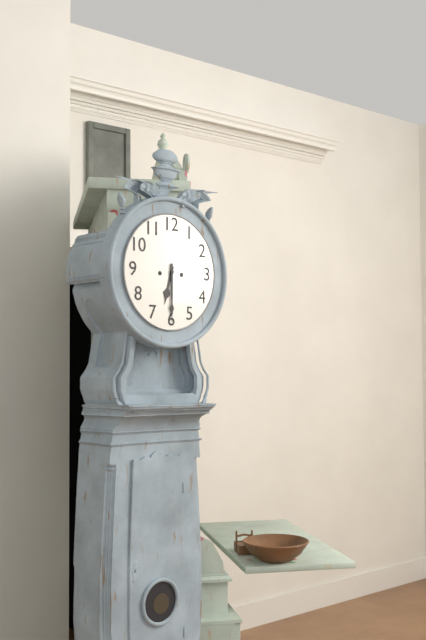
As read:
6,30
